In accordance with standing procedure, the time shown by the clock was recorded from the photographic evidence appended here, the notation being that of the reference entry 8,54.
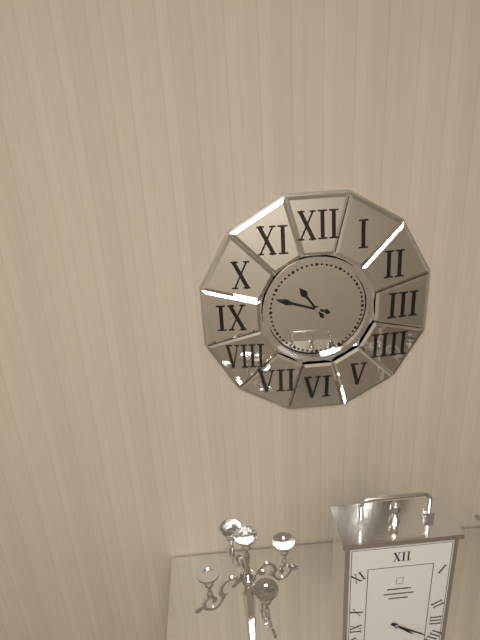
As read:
10,48
